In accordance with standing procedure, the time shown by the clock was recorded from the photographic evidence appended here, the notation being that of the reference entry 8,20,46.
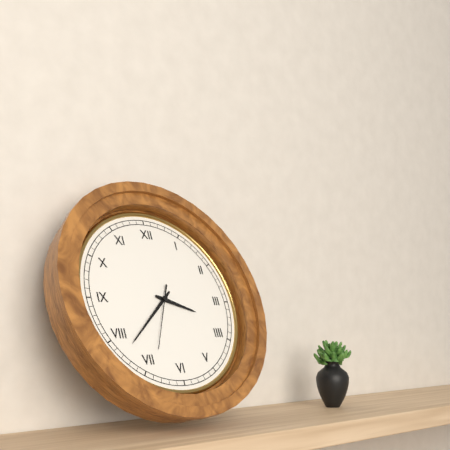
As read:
3,38,34
